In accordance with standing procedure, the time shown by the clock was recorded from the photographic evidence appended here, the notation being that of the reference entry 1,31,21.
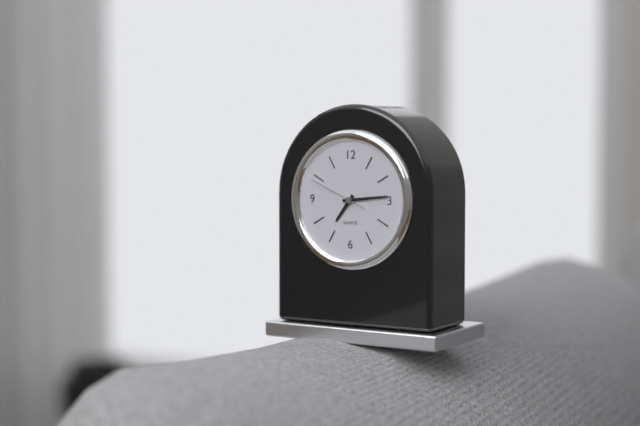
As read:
7,14,49
